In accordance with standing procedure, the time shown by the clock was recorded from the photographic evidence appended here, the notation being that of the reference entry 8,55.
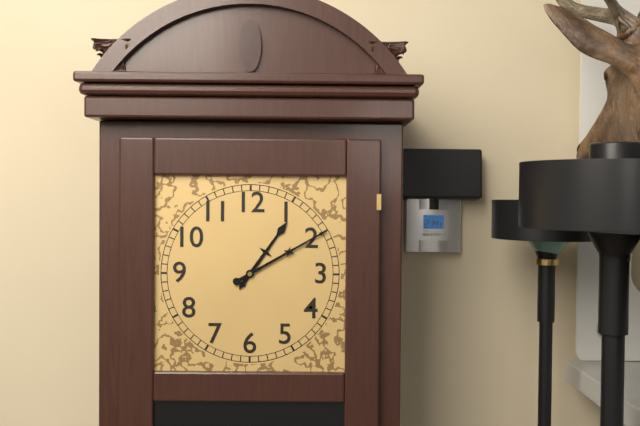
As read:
1,10
